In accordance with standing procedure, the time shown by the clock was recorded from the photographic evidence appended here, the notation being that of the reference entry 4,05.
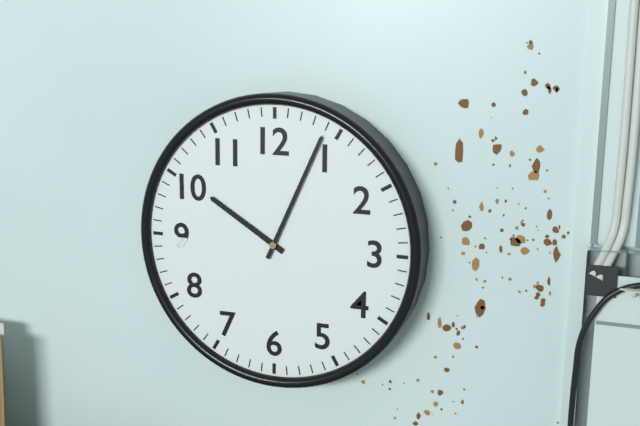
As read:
10,04
